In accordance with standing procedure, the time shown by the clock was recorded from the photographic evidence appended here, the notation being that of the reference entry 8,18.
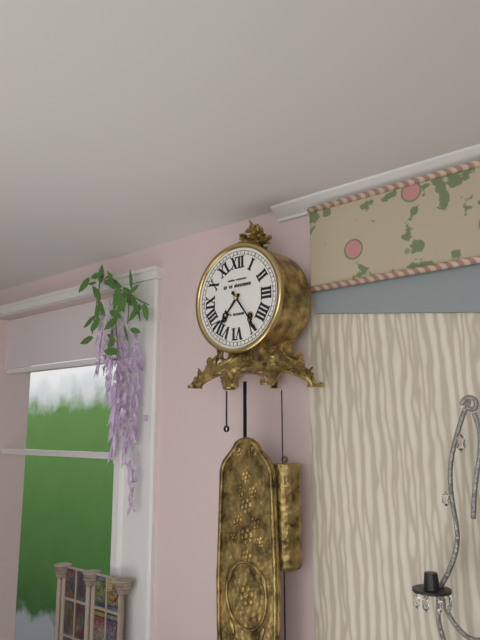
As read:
7,24
